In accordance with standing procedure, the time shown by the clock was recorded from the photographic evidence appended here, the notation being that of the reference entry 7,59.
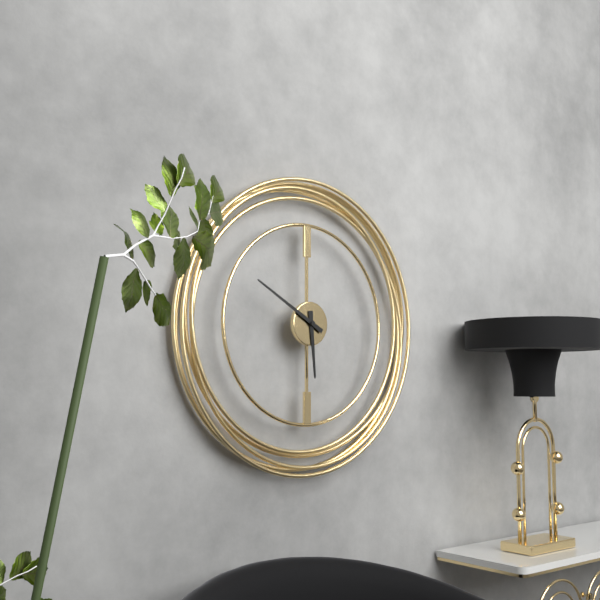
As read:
5,50
